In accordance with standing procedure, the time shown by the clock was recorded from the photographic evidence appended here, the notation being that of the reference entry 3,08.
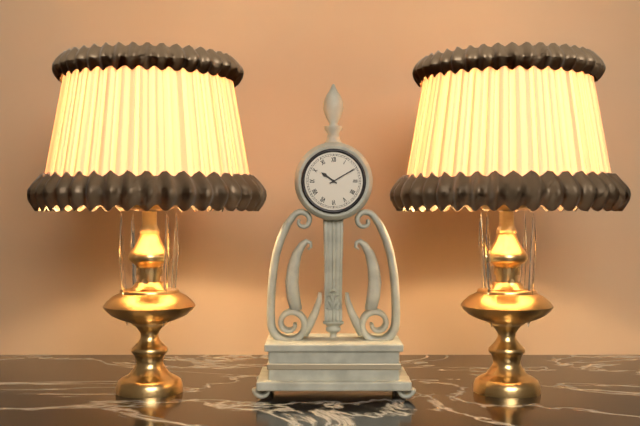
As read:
10,10
